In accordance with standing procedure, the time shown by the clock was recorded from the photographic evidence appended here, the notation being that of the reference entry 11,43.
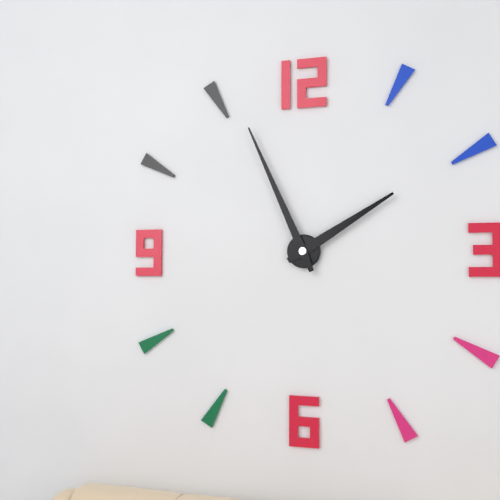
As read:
1,56
